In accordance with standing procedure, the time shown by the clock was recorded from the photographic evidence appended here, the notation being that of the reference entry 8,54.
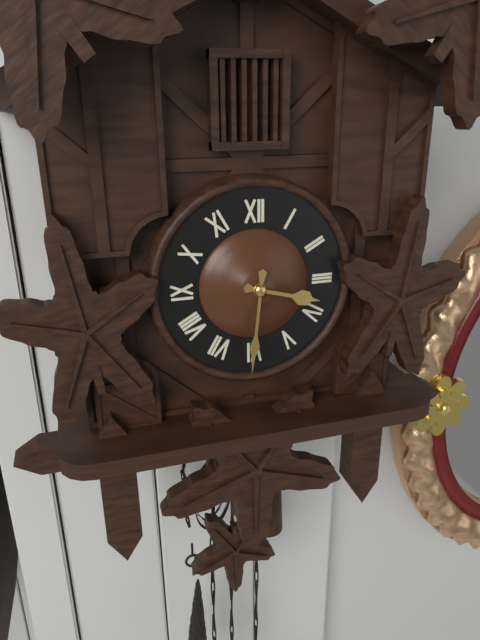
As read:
3,31
